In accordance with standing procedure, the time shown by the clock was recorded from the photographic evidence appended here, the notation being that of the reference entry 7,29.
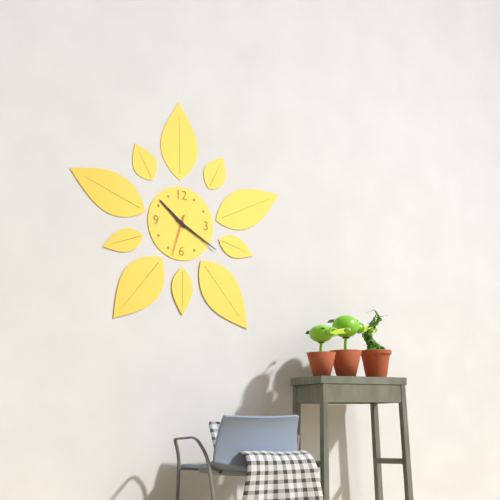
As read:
10,20
